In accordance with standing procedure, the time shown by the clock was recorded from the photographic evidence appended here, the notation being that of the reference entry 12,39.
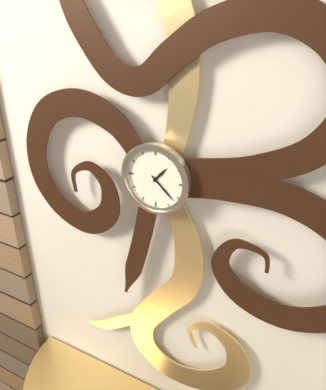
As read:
1,22
